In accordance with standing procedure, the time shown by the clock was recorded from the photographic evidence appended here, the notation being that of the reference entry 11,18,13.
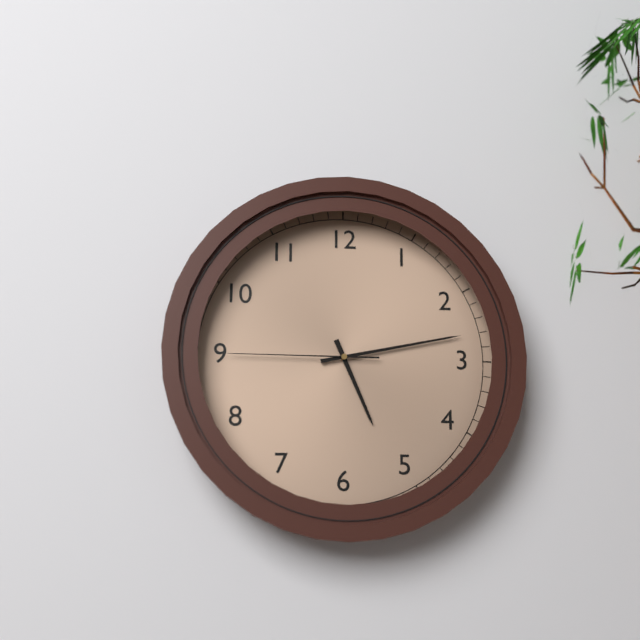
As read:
5,13,45
